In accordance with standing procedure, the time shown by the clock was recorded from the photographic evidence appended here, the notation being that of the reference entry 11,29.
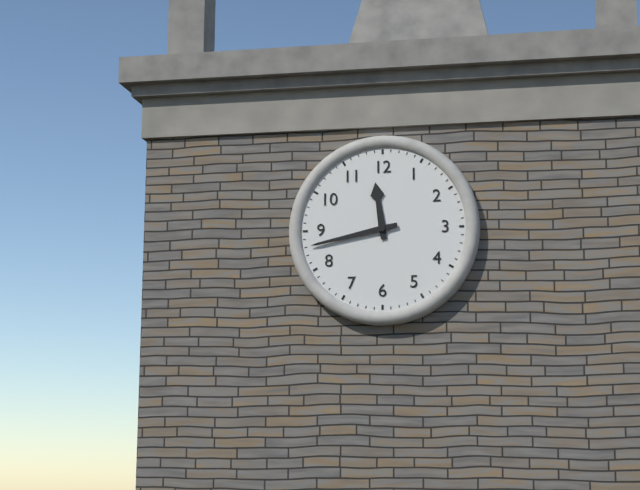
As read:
11,43
